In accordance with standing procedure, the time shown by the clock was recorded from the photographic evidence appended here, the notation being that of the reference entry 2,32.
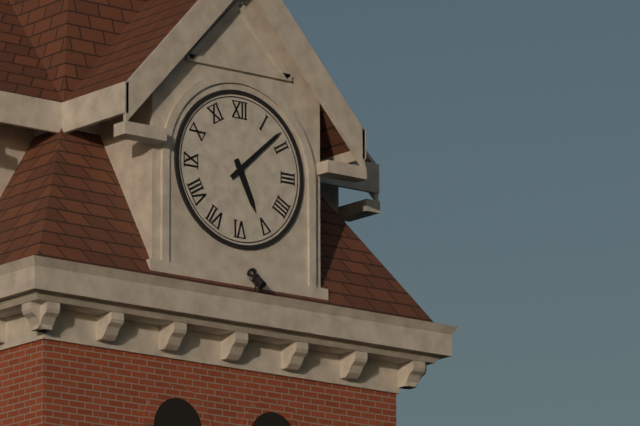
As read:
5,08
